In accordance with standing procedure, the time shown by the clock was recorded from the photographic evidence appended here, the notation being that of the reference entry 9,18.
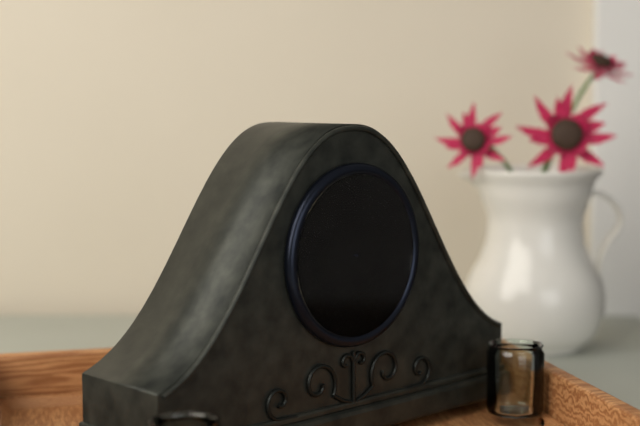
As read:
11,28
